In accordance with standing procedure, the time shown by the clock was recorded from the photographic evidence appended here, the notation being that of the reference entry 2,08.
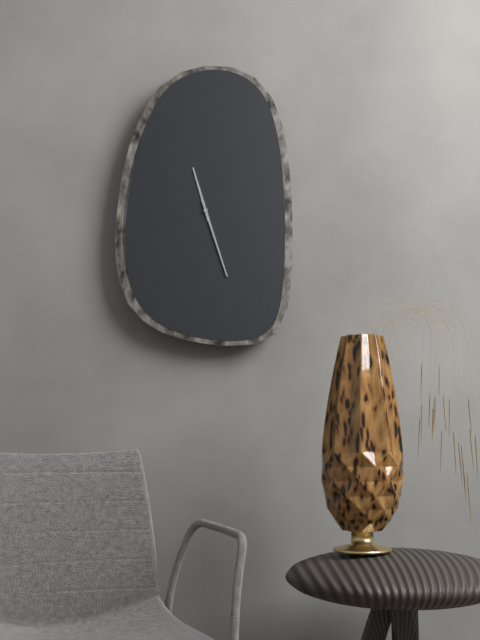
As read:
11,27
